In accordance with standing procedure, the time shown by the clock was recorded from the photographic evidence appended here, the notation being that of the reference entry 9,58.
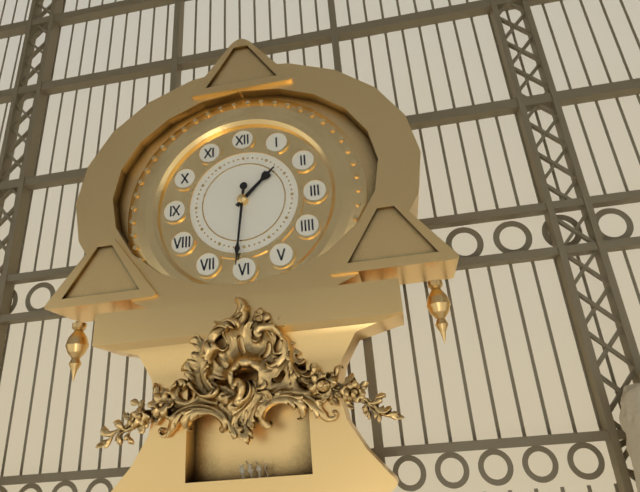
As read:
1,31
